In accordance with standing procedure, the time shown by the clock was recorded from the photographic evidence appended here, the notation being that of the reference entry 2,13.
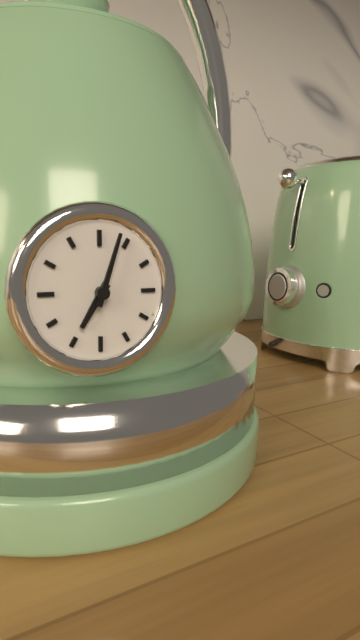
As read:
7,03
